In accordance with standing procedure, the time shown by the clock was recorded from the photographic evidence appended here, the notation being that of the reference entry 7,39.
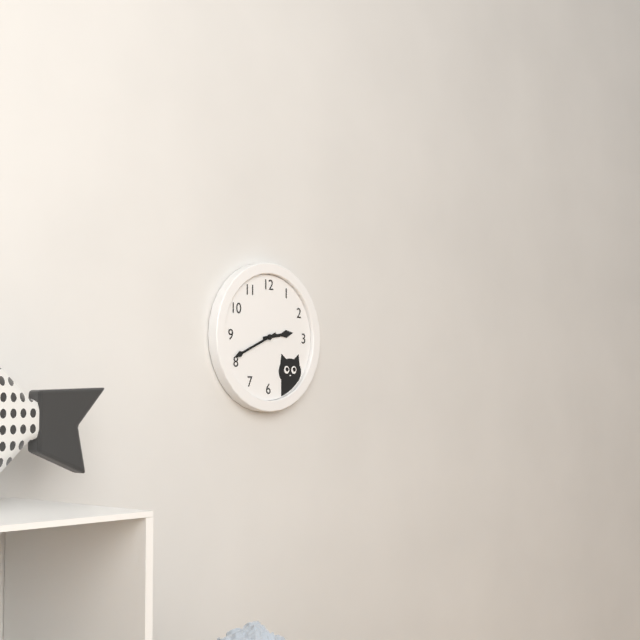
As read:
2,41
